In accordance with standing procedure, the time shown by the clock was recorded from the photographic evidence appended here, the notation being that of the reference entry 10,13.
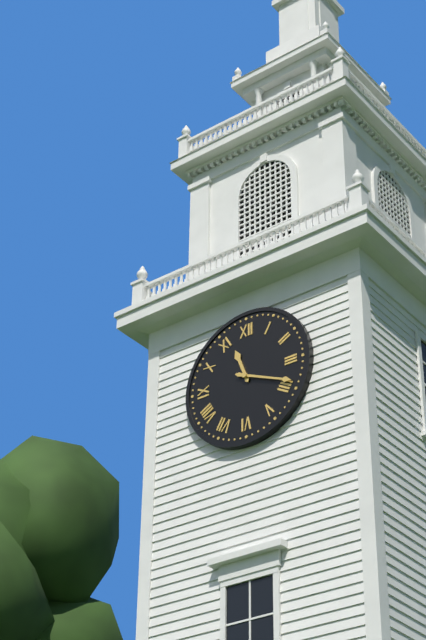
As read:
11,19
